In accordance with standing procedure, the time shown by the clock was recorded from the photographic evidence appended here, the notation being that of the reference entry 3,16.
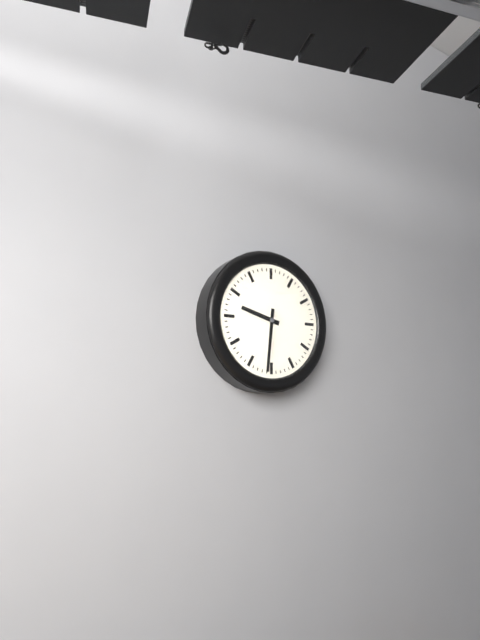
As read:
9,31
